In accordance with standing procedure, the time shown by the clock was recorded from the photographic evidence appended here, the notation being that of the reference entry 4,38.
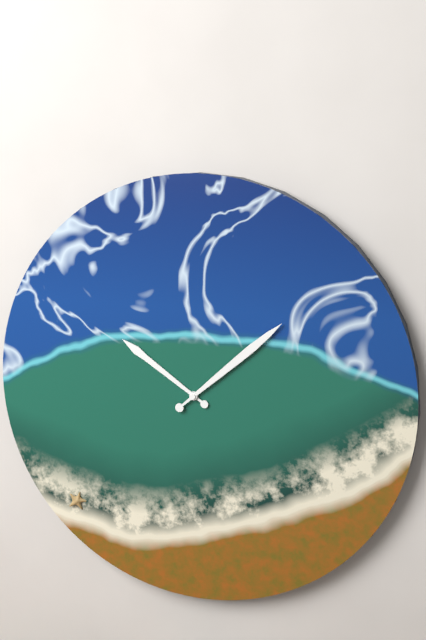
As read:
10,08
